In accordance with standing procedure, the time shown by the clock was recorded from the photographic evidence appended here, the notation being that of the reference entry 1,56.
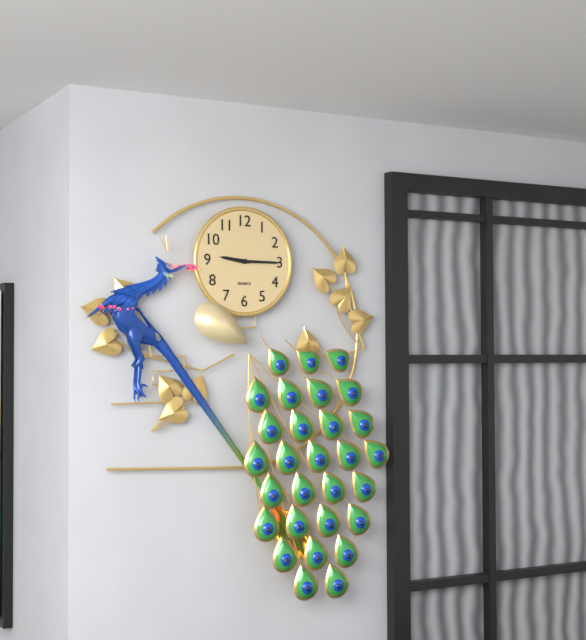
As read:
9,15
